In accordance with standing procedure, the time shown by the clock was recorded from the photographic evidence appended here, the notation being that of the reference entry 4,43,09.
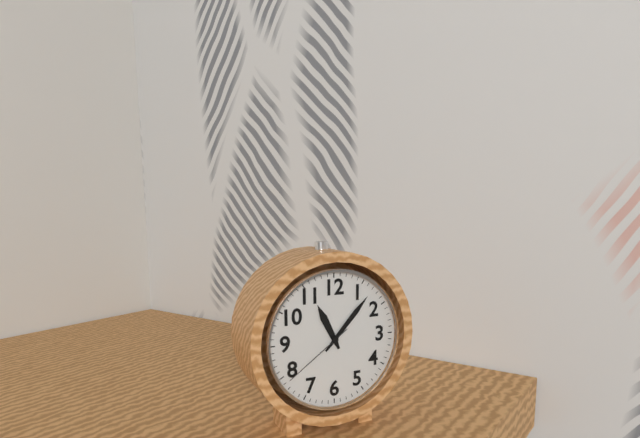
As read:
11,07,39
